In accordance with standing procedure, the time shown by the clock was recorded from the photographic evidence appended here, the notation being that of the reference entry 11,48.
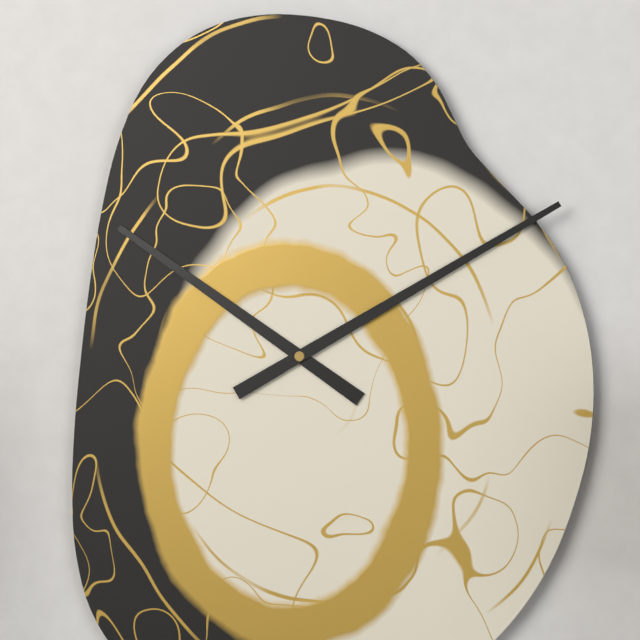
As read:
10,10
